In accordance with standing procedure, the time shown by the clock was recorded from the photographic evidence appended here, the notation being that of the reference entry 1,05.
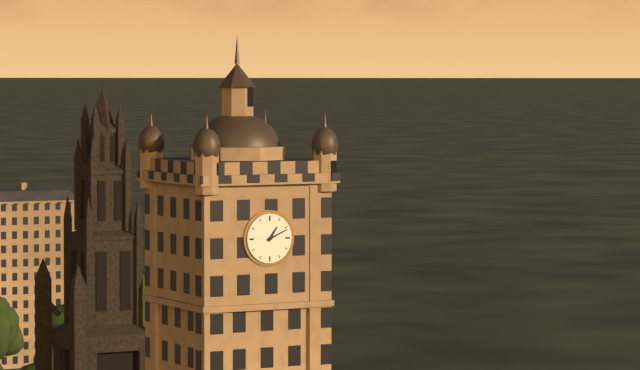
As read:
1,11
